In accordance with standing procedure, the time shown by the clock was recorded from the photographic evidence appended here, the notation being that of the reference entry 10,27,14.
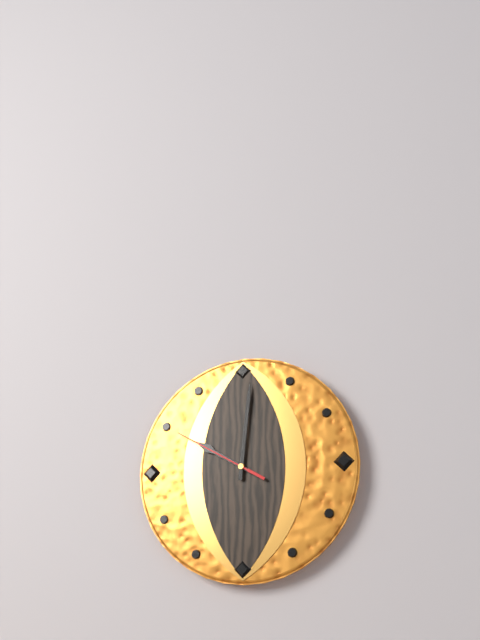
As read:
10,01,50
